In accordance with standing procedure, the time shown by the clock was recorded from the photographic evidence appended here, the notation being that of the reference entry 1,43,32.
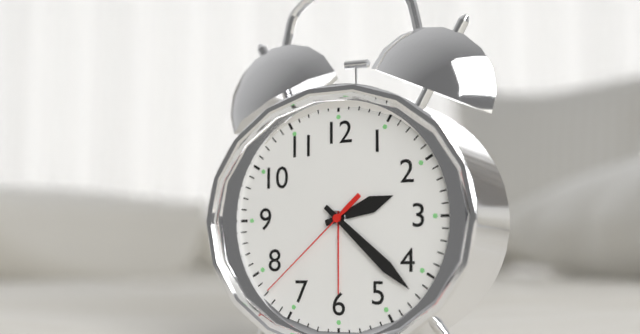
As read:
2,22,38
